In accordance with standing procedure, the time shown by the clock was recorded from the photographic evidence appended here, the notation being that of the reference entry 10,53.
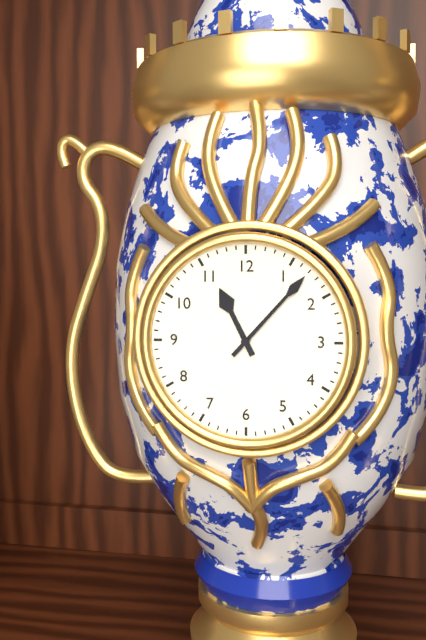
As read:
11,07
